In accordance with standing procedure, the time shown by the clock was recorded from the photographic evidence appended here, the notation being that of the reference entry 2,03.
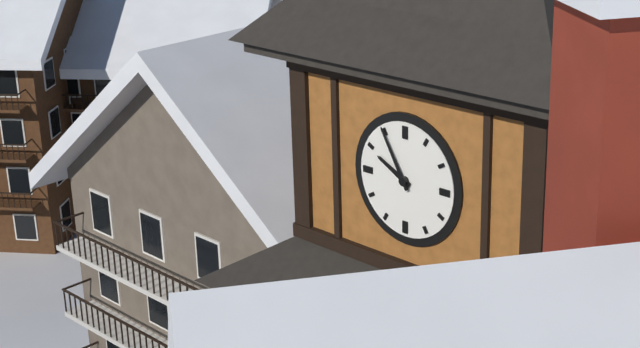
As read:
9,55
